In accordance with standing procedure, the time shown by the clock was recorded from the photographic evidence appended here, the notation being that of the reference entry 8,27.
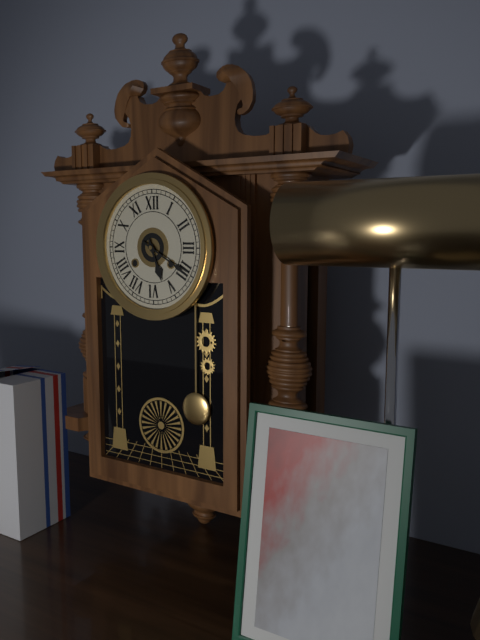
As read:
5,20
